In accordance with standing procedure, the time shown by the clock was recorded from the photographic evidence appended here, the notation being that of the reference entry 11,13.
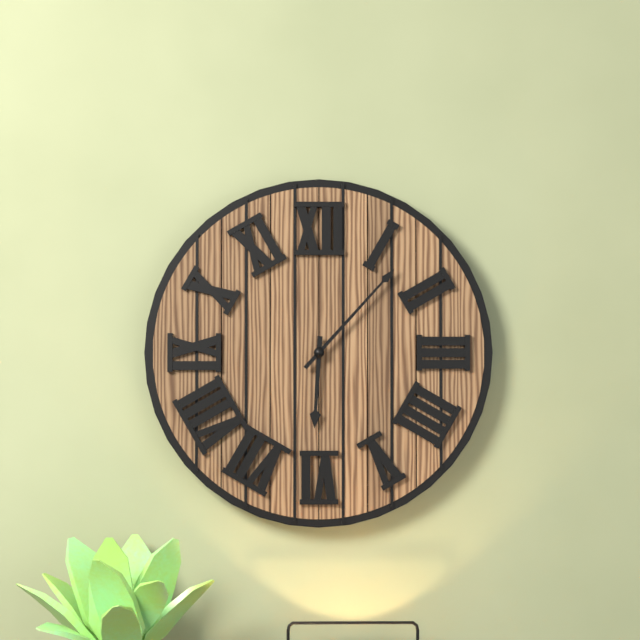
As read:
6,07
